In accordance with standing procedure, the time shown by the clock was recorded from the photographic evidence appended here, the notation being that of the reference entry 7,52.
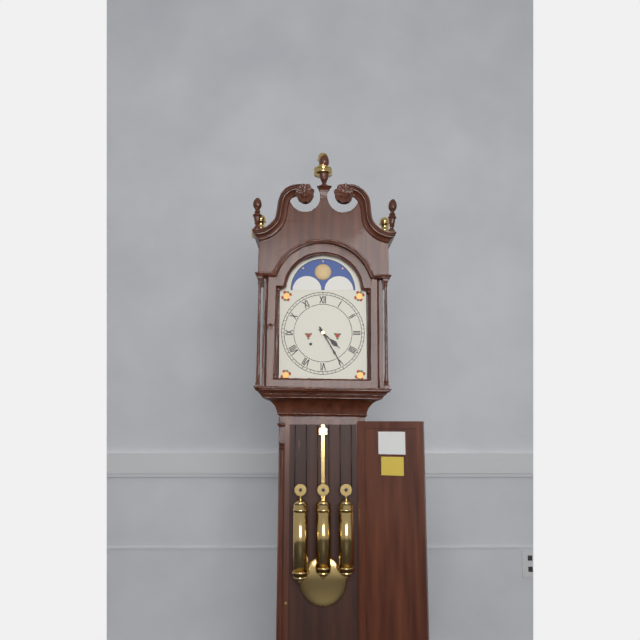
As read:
4,25
